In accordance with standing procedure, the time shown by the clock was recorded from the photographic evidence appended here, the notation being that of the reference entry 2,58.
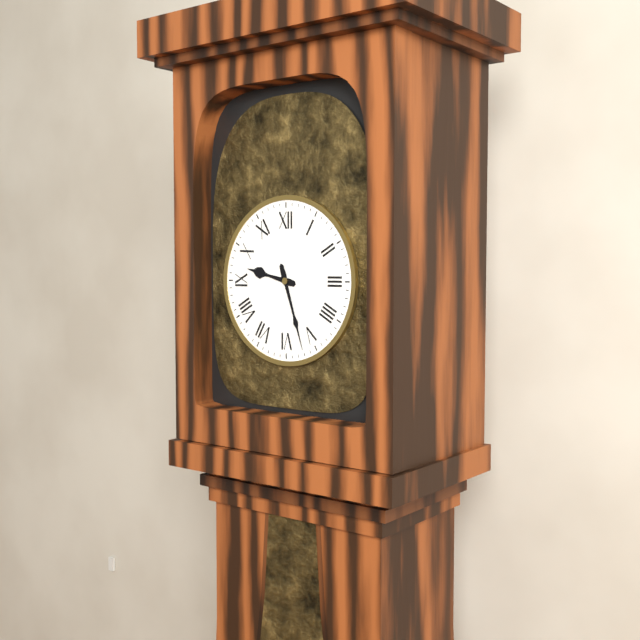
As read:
9,27
